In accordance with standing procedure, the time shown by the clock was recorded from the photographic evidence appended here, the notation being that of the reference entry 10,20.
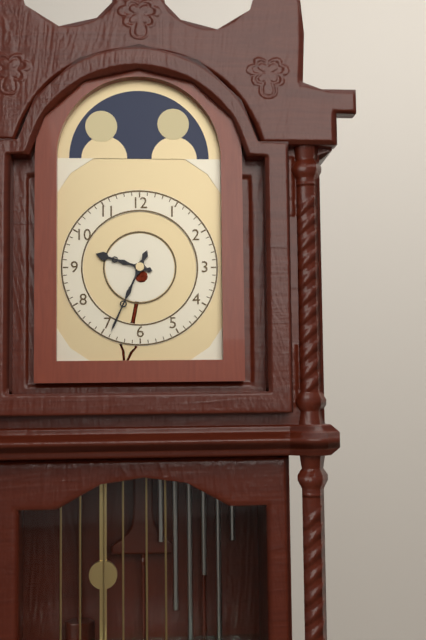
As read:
9,34
